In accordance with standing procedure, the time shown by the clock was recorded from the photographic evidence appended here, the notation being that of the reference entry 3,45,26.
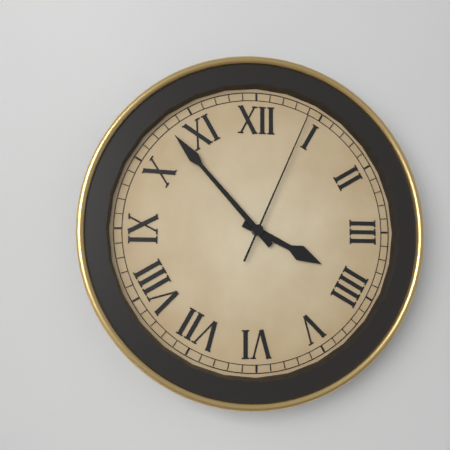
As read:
3,53,04
